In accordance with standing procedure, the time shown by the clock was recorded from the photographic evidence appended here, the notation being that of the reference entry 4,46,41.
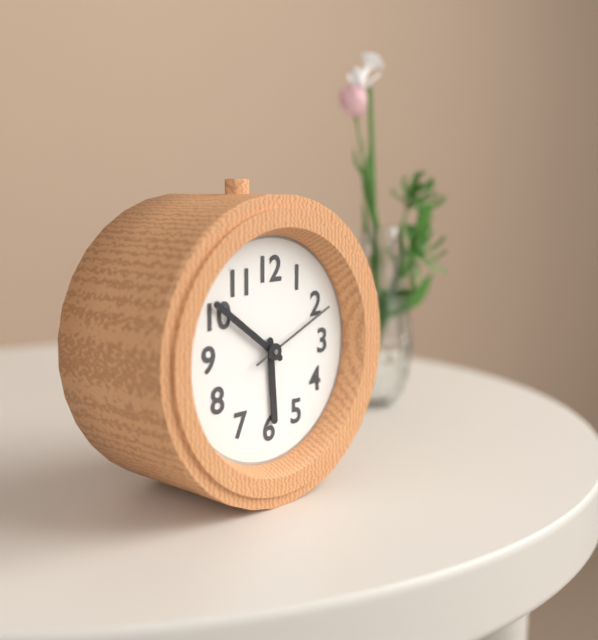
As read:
5,51,11
